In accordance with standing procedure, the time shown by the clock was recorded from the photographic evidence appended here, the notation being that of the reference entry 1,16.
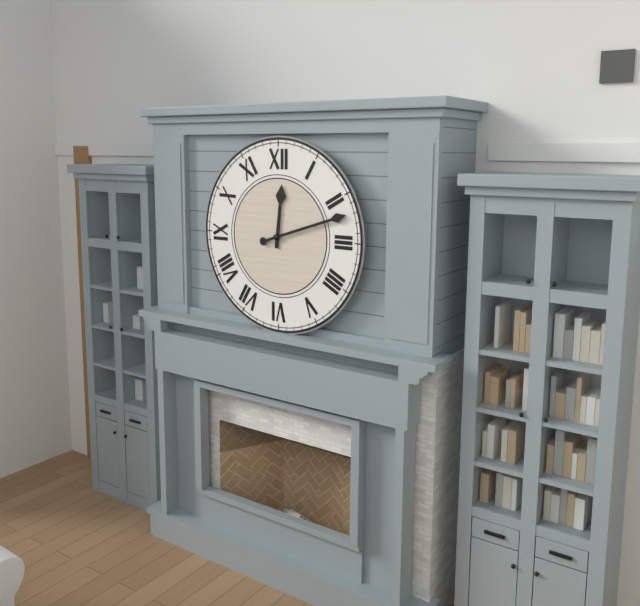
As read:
12,12
